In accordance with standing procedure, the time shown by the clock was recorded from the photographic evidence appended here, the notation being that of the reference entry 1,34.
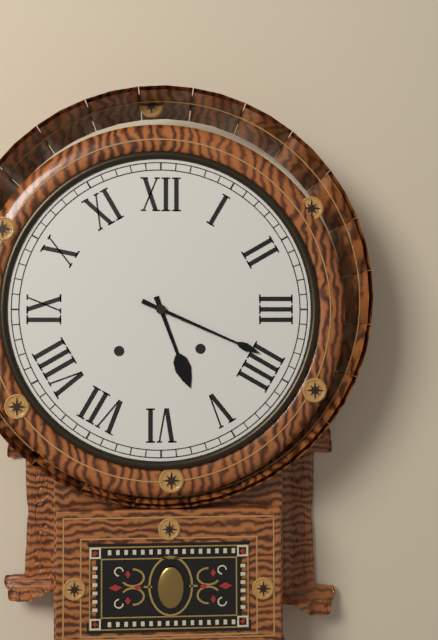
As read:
5,19
